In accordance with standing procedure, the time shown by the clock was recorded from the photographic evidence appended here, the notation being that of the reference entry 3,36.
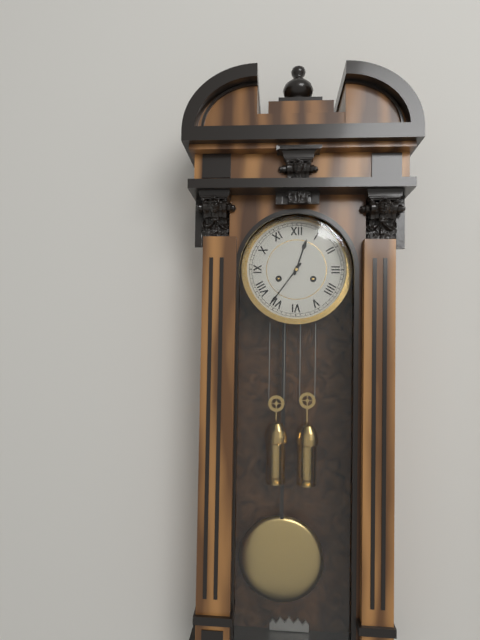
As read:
12,36
